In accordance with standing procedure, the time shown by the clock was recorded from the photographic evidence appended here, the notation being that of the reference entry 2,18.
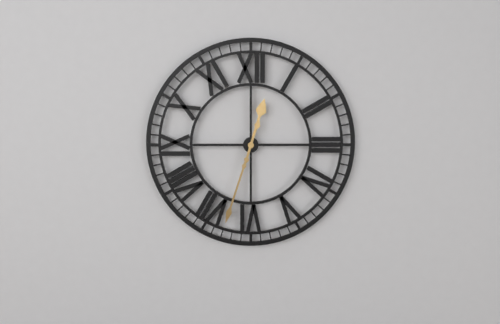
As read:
12,33
